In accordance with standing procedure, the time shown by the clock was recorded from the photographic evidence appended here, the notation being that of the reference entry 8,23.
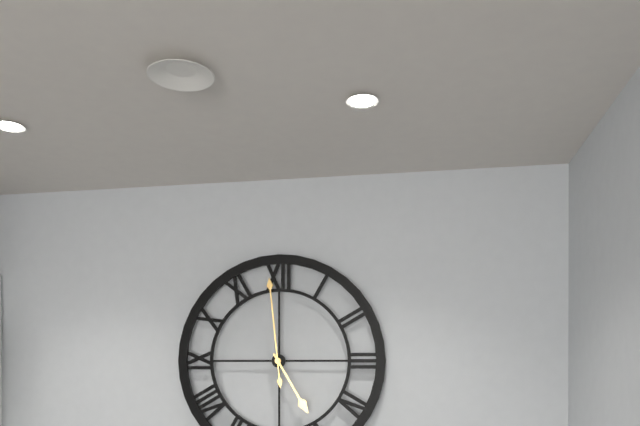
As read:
4,59
